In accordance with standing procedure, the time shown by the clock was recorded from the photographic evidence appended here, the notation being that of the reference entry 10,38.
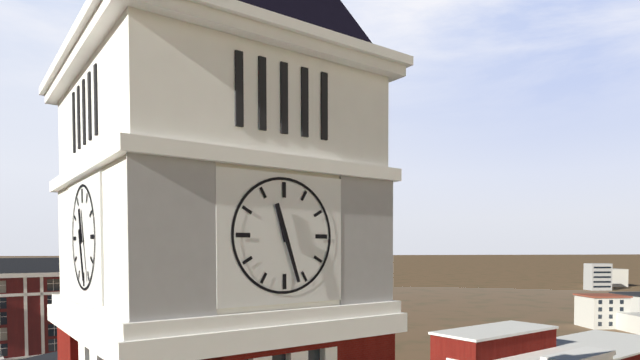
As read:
11,27
